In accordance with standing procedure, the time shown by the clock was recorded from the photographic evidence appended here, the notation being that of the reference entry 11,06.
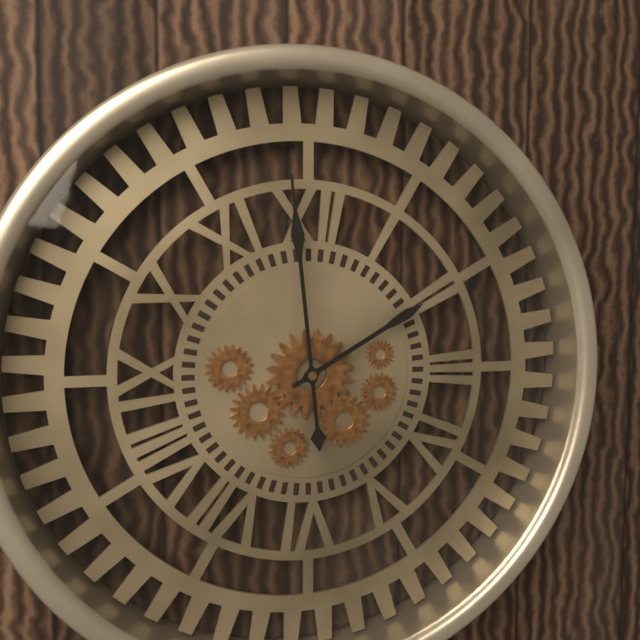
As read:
1,59
